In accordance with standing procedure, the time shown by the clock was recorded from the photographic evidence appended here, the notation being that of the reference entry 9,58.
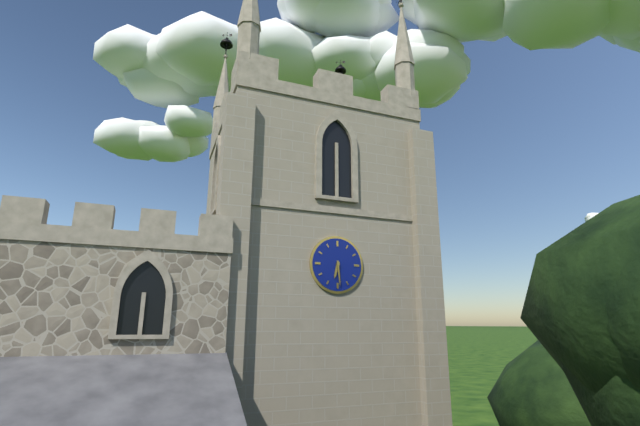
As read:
6,29
